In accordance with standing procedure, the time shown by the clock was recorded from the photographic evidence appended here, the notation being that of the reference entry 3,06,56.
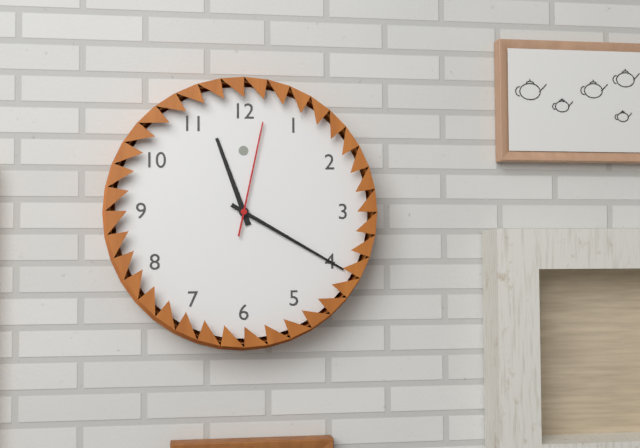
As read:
11,20,02
